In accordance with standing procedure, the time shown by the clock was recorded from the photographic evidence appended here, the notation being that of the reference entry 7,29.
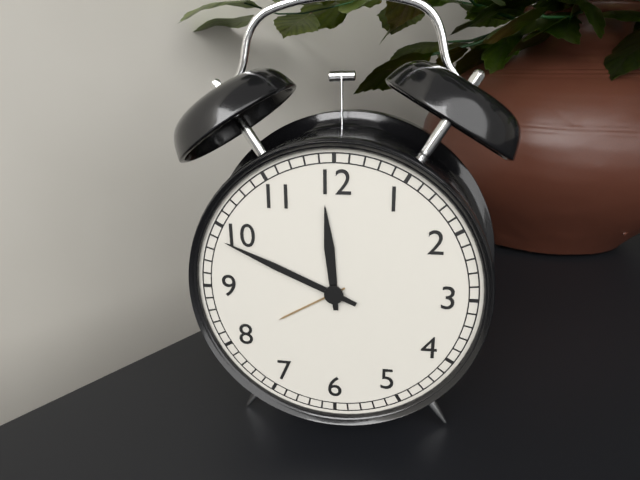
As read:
11,49
